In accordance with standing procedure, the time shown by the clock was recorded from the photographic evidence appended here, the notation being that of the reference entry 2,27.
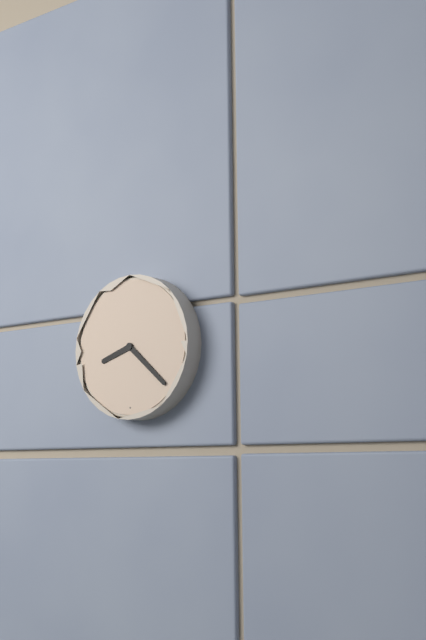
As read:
8,22
